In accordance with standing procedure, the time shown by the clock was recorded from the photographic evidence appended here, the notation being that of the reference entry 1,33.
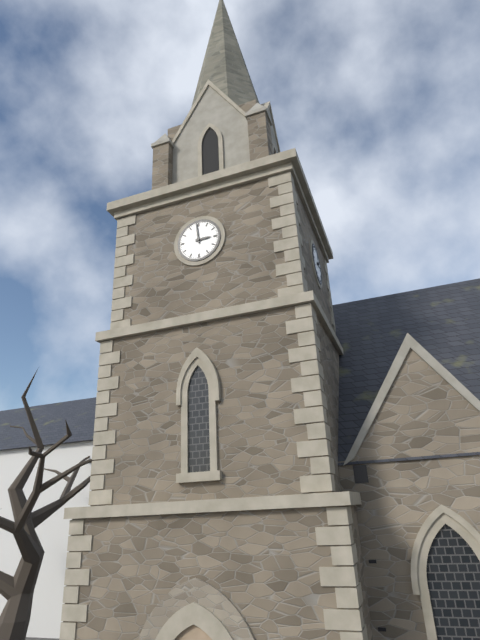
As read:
2,59
